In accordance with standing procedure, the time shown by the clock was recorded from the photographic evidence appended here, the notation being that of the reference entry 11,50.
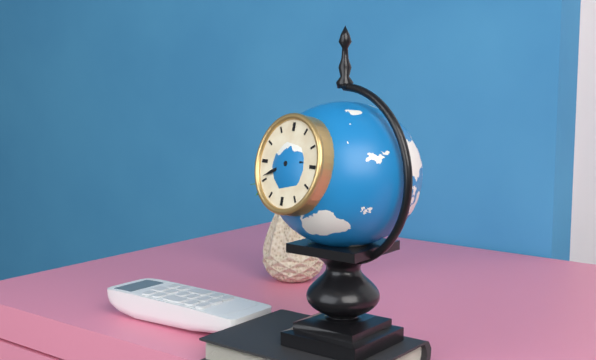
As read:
2,41
